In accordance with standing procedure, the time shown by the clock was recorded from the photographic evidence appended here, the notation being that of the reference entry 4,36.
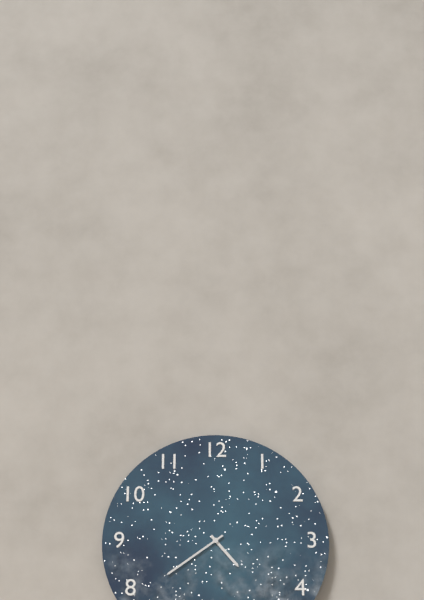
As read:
4,39
